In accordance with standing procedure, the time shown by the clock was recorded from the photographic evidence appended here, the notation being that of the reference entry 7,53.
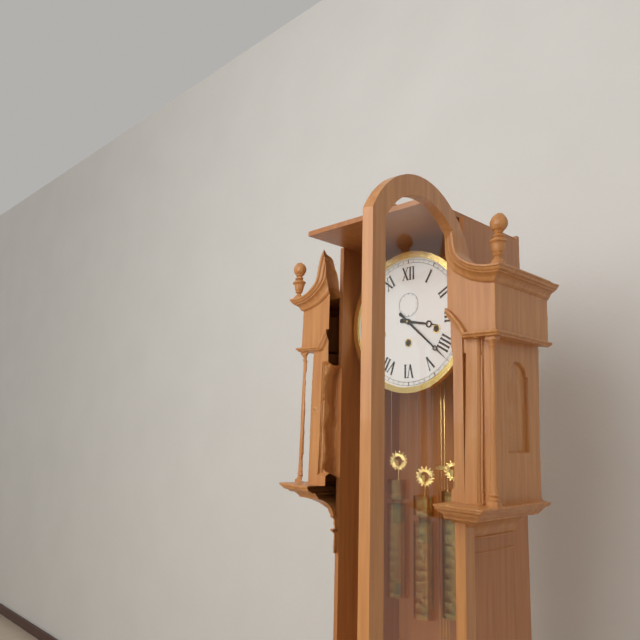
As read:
3,22
